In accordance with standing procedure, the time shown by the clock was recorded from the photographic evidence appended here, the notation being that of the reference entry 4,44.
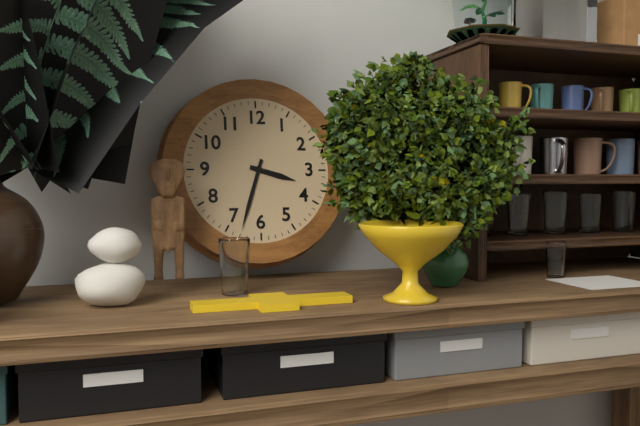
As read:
3,33
